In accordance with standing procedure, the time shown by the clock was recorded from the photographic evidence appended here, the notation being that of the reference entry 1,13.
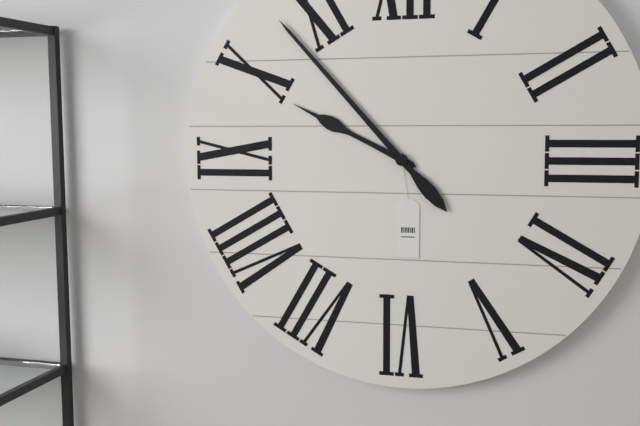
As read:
9,53
